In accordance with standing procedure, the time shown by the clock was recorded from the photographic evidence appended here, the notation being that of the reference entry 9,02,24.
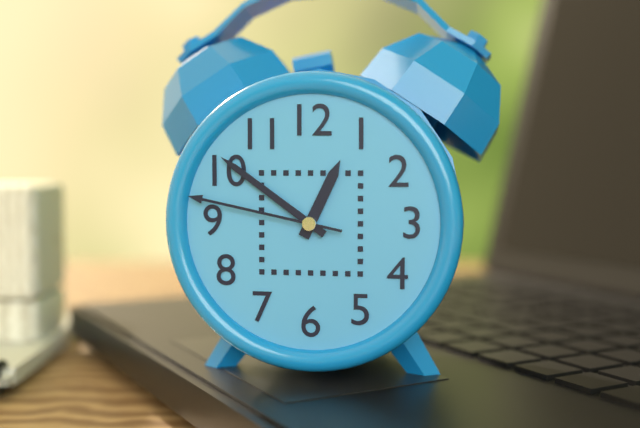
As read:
12,51,47
